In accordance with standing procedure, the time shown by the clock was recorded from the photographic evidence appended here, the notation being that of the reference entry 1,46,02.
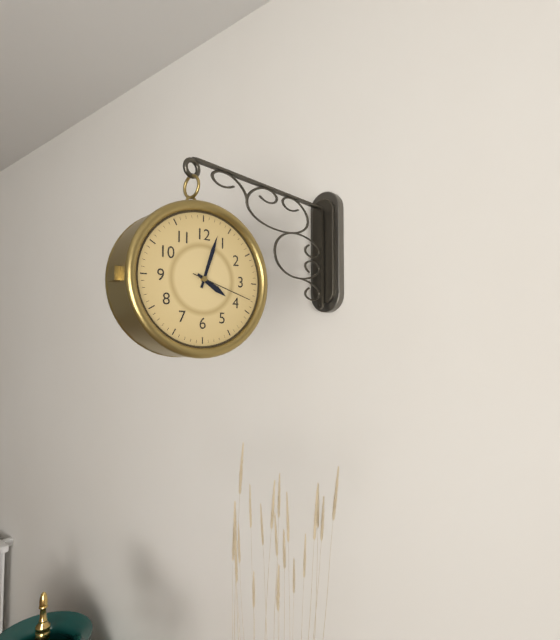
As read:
4,03,18
